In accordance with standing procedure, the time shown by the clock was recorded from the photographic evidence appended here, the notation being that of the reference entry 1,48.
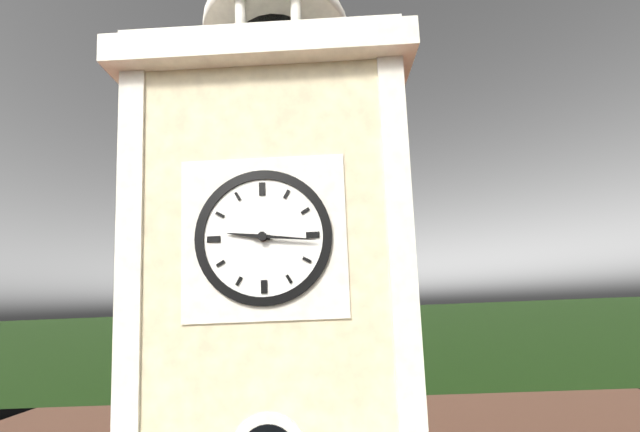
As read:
9,16
